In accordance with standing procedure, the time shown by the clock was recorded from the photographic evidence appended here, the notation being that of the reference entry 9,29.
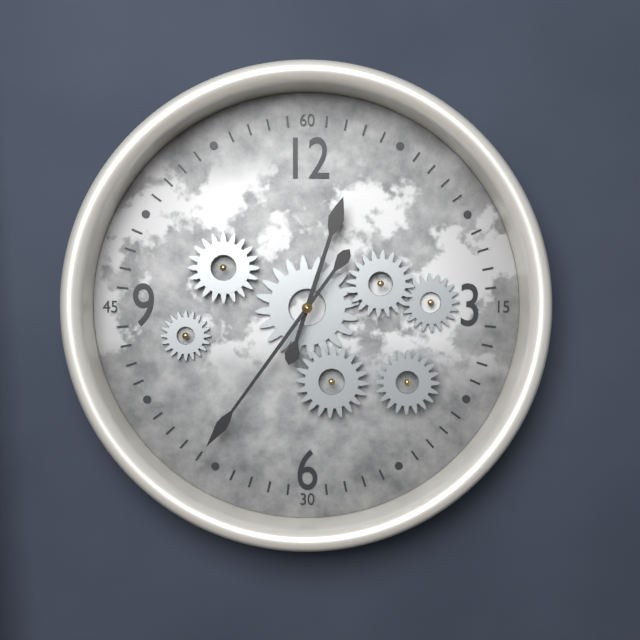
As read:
12,36
